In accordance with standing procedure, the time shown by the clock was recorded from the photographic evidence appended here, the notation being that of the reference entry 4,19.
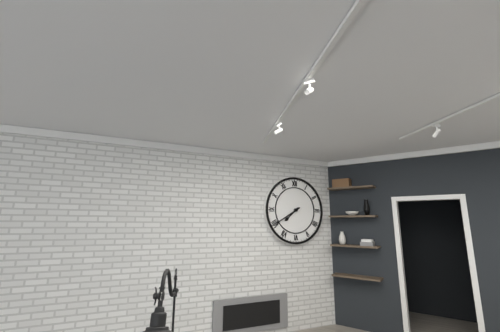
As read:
7,40
